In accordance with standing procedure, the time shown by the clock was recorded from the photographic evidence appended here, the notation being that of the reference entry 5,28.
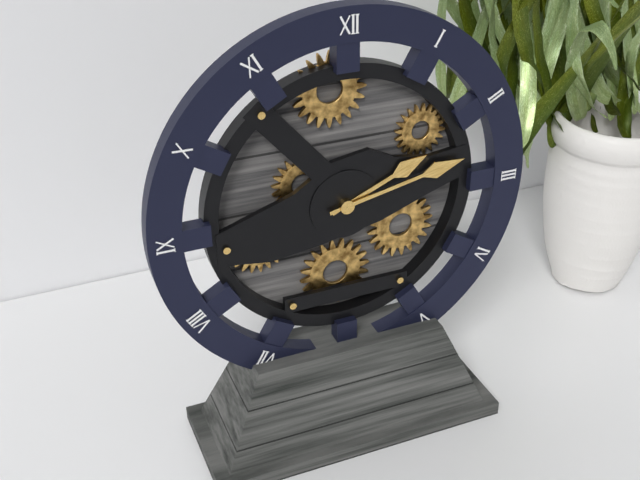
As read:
2,13
